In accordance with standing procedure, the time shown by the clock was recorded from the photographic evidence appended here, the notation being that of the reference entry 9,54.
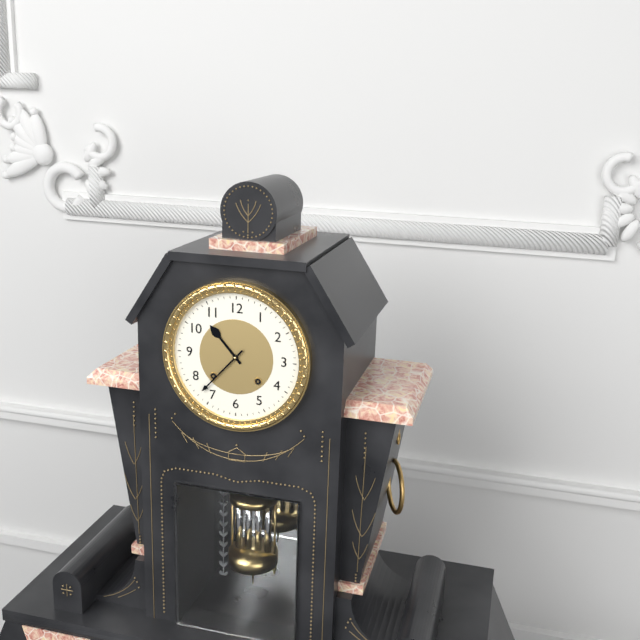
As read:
10,37
